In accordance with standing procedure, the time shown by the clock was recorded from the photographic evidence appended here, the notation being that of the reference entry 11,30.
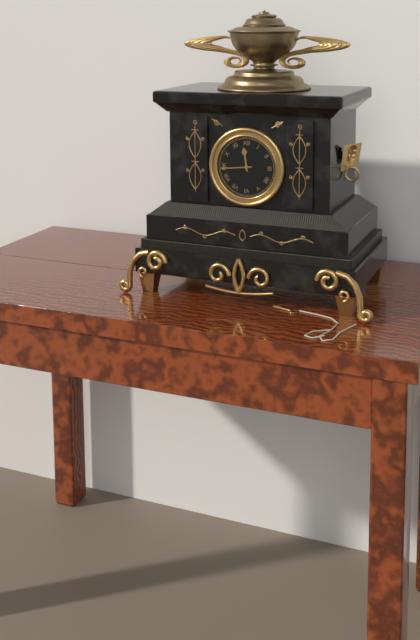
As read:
11,44
